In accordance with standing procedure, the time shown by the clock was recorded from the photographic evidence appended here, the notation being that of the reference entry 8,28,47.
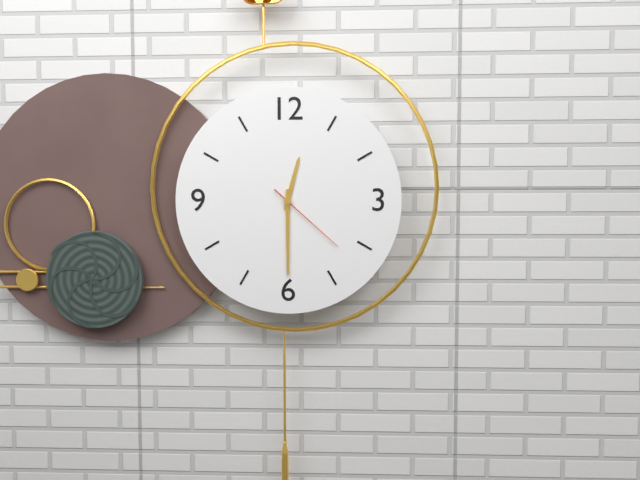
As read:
12,30,22
